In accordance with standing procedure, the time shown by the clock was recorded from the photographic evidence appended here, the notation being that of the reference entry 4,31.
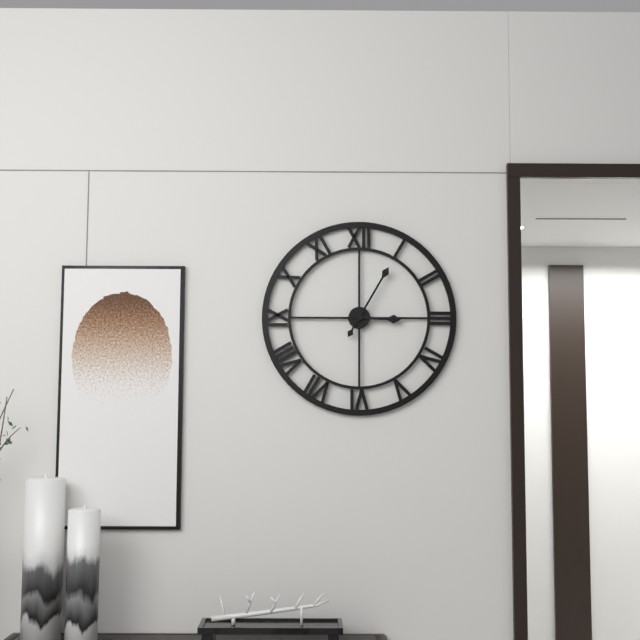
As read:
3,05
